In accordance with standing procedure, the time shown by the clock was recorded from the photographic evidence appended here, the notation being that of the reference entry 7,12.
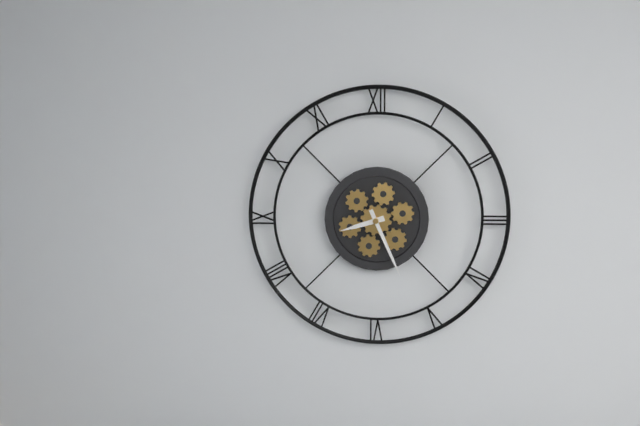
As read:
8,26
